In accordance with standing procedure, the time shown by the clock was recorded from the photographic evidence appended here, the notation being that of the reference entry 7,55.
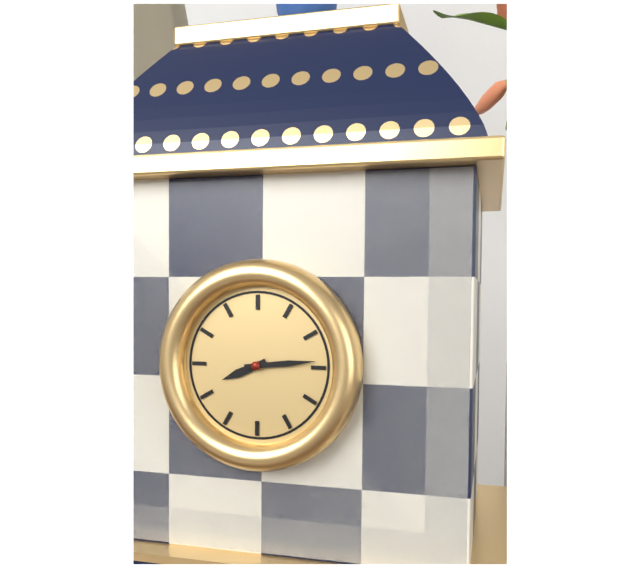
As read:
8,14
